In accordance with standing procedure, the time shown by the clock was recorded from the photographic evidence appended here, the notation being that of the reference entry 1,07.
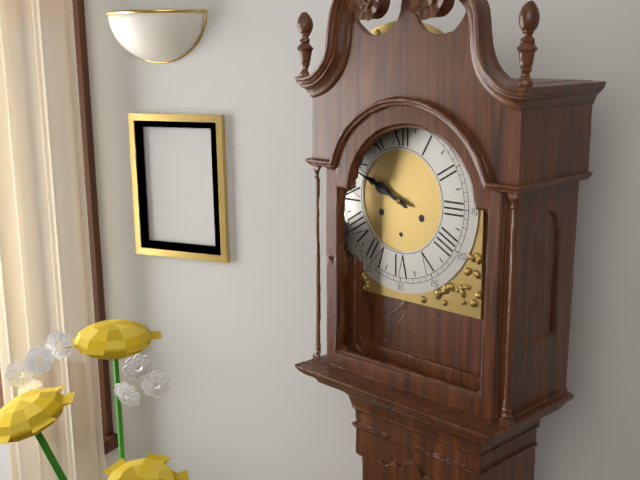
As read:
9,49
